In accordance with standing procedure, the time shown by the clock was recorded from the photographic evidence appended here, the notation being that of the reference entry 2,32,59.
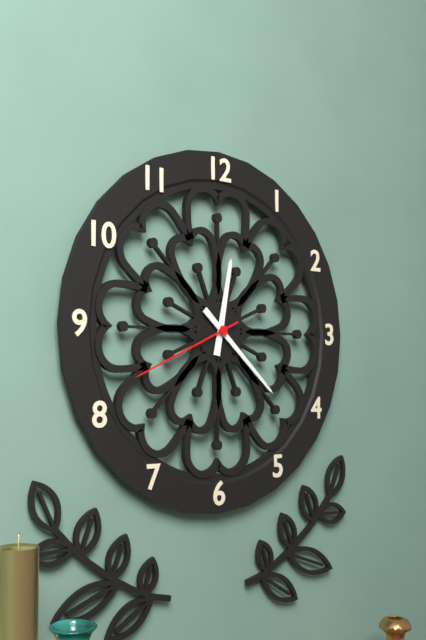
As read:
12,22,41
